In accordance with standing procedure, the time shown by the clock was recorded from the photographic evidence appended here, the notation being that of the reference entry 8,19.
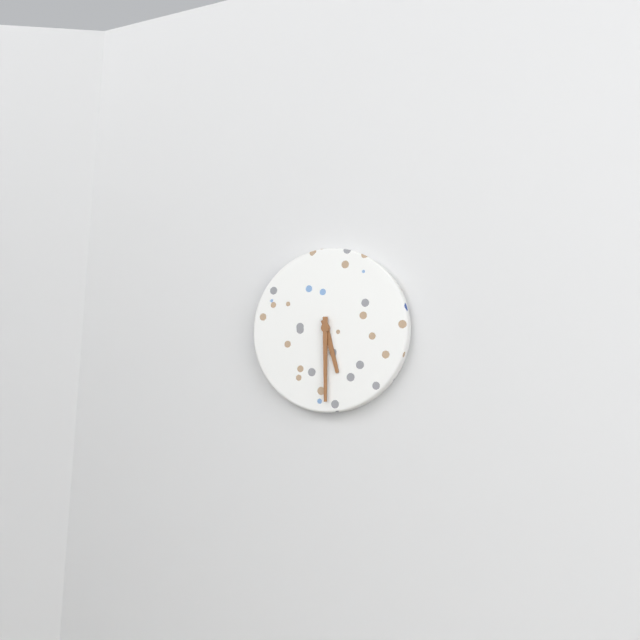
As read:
5,30
